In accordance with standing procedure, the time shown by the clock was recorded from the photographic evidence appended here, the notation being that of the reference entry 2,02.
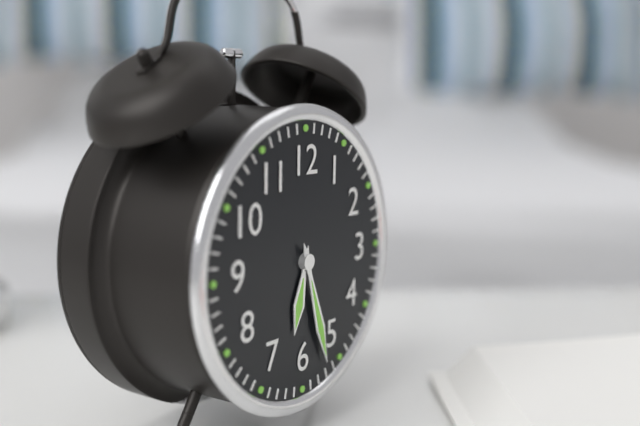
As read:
6,27
